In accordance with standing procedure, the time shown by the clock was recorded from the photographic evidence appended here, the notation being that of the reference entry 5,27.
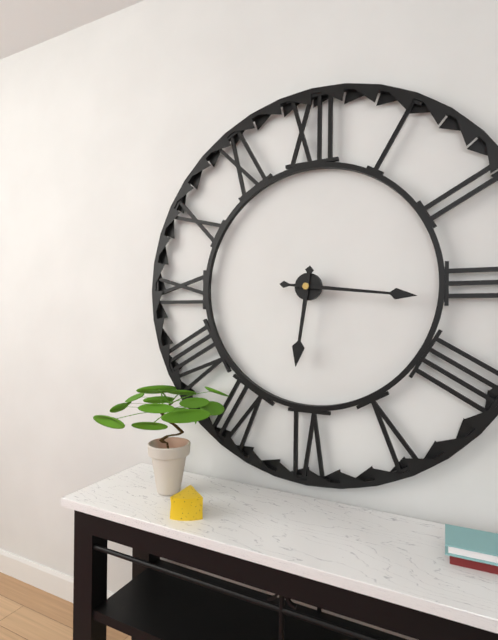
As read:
6,16
